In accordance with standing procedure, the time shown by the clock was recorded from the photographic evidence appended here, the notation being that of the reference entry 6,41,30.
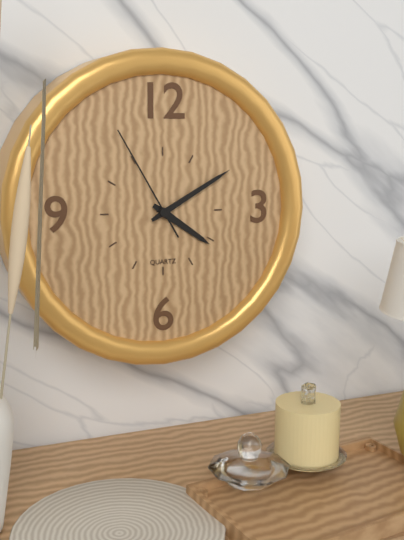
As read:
4,10,55
